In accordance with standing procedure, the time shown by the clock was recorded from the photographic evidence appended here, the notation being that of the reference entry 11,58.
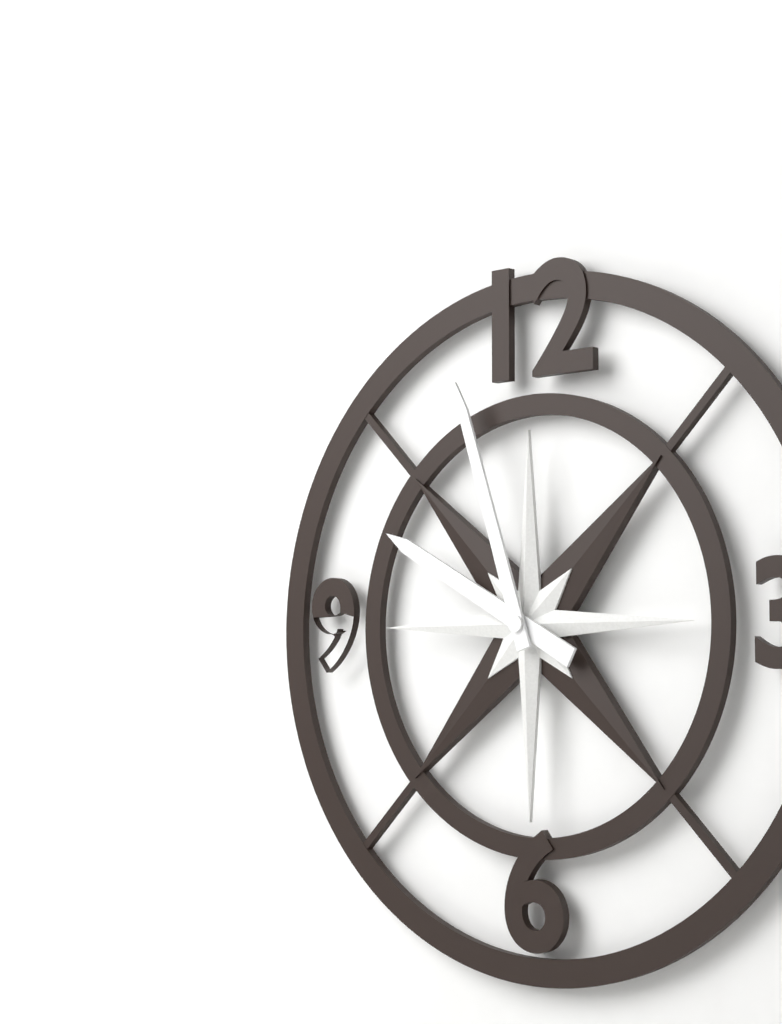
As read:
9,57
